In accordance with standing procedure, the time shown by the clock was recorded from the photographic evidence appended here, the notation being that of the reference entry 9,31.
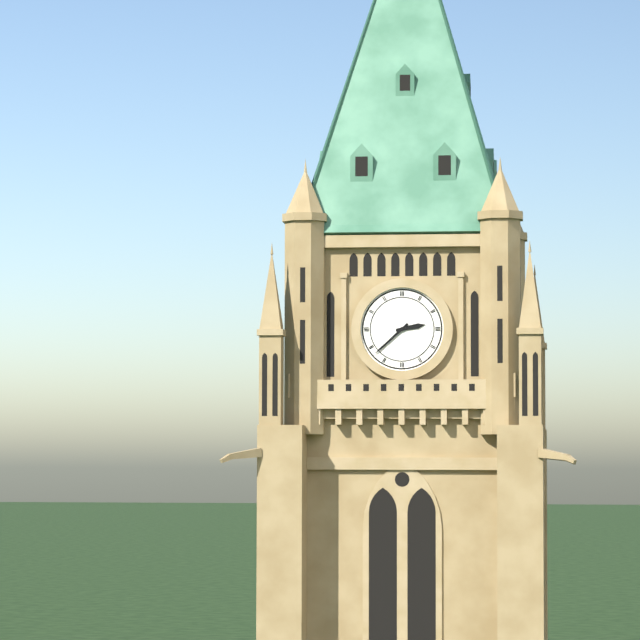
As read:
2,38
